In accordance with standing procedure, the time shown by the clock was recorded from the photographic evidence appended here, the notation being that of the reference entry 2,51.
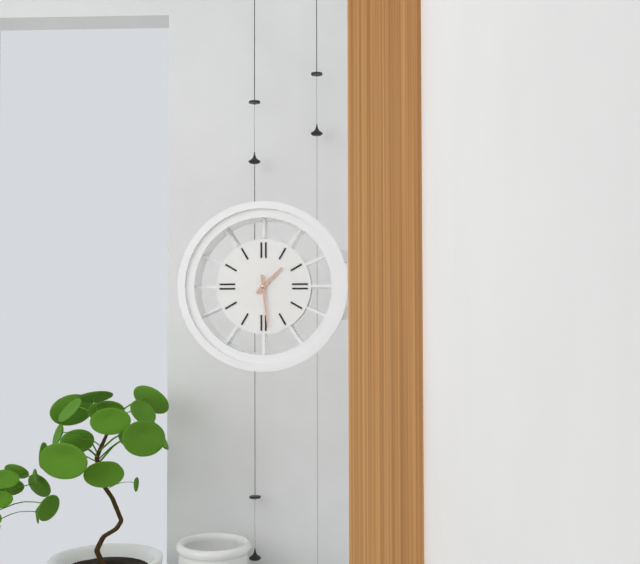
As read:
1,29
